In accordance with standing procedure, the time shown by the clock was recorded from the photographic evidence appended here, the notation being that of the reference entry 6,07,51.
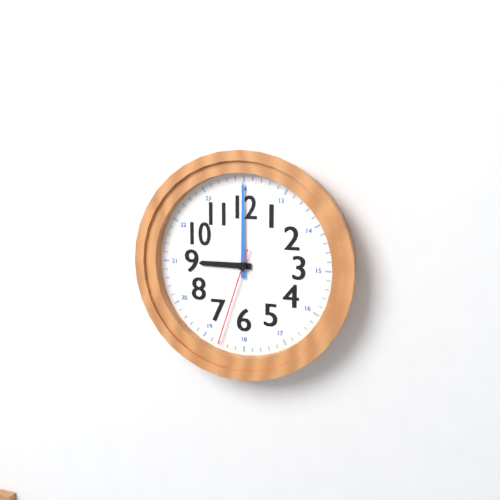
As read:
9,00,33
